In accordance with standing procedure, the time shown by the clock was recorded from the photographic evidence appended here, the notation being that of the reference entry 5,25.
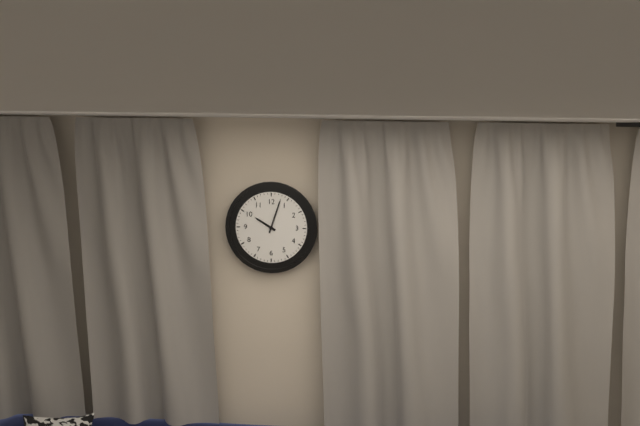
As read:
10,03
